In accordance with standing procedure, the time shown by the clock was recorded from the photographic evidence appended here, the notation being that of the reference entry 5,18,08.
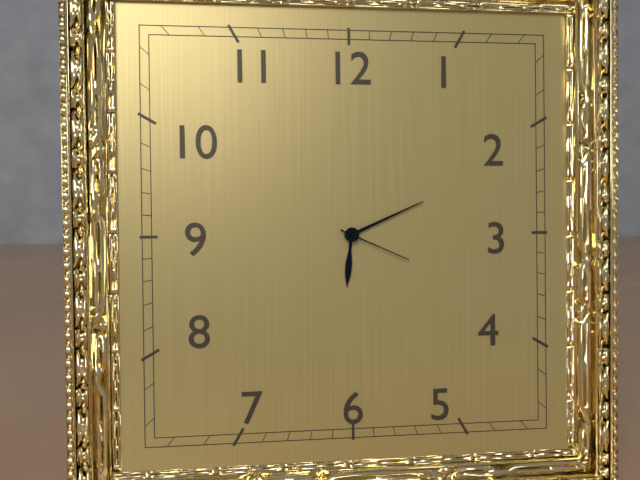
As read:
6,11,19
